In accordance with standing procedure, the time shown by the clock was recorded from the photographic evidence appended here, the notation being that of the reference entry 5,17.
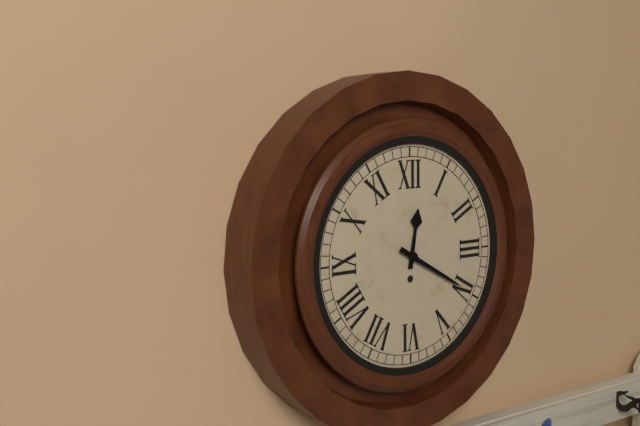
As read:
12,20
